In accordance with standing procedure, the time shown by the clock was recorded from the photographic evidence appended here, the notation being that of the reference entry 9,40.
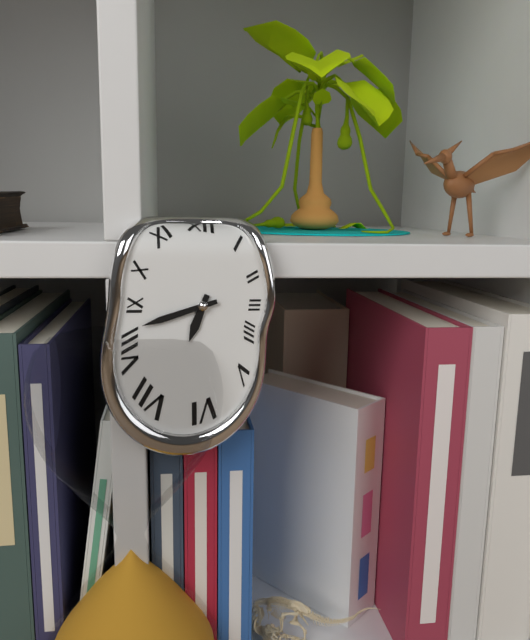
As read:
6,42
